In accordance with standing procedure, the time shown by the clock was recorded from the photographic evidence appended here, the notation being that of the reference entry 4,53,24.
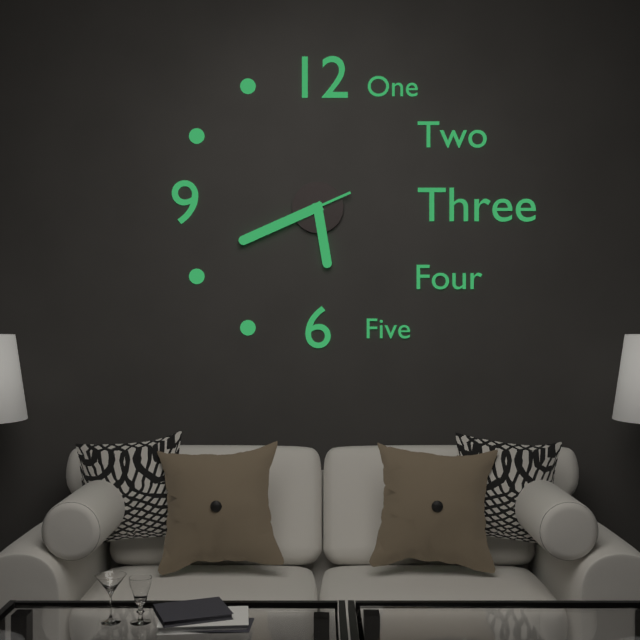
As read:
5,41,41
